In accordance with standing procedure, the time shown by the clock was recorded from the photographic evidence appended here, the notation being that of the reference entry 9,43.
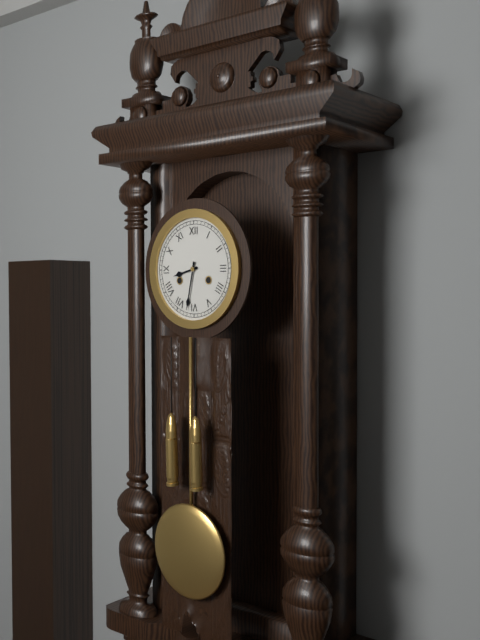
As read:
8,32
